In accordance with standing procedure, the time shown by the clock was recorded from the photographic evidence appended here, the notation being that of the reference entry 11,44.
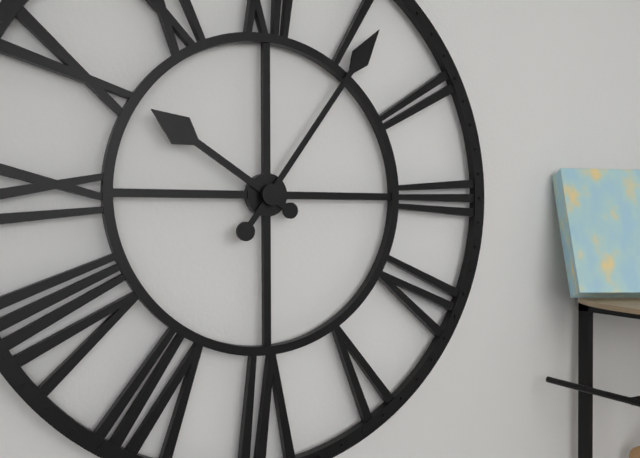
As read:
10,06
